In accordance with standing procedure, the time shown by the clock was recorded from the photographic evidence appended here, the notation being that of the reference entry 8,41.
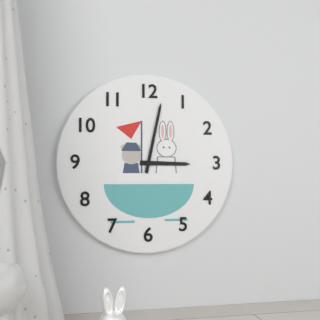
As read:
3,02
